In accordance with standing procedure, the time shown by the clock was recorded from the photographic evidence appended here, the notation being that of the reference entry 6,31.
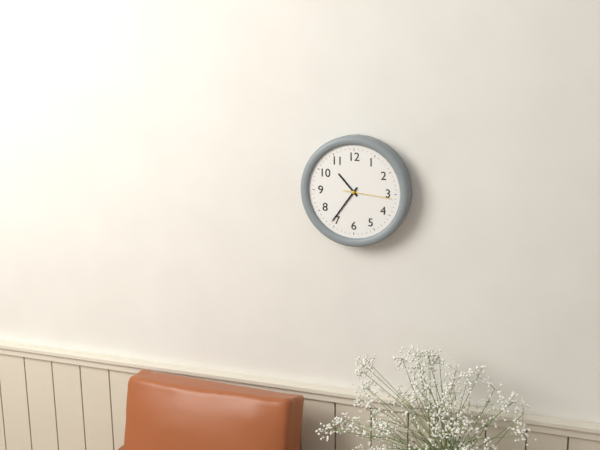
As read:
10,36
